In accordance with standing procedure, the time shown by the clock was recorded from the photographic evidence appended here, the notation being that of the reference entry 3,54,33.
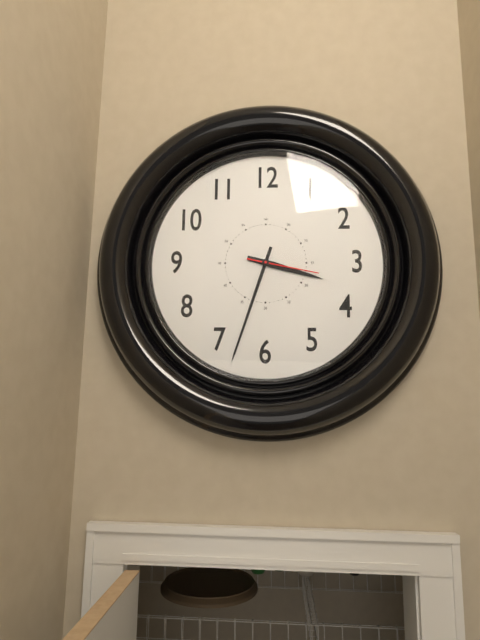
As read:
3,33,17
